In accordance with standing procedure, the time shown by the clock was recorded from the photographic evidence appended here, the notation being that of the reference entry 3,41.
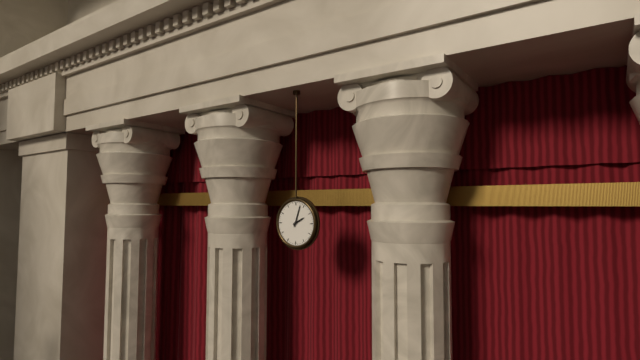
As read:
2,03
